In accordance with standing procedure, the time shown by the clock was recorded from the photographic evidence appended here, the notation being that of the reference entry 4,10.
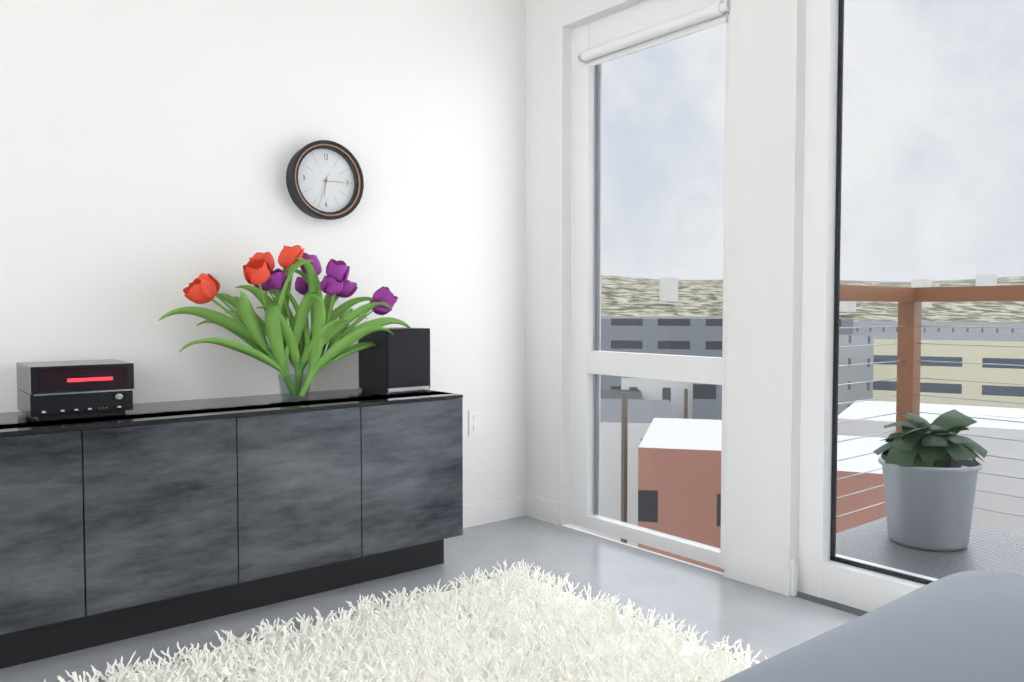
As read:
6,15
